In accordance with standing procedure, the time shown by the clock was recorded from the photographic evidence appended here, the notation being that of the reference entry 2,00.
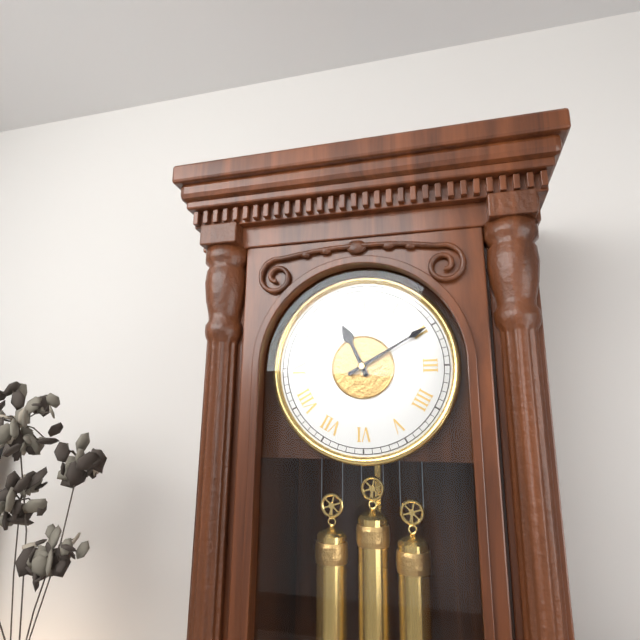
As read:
11,10
